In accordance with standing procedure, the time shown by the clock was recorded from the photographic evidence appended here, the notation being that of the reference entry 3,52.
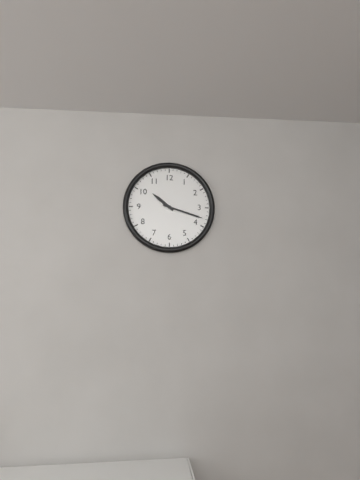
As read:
10,18
